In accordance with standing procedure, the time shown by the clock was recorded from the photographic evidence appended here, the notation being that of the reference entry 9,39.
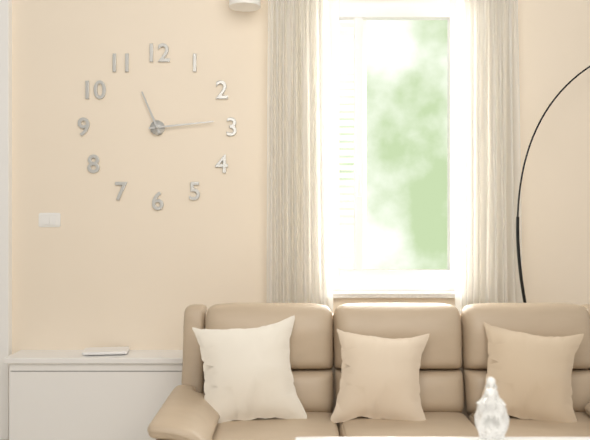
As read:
11,14
